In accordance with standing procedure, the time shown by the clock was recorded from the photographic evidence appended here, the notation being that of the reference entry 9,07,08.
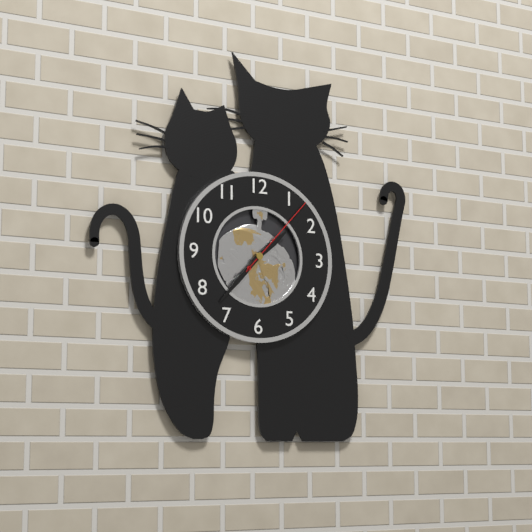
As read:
1,37,07
